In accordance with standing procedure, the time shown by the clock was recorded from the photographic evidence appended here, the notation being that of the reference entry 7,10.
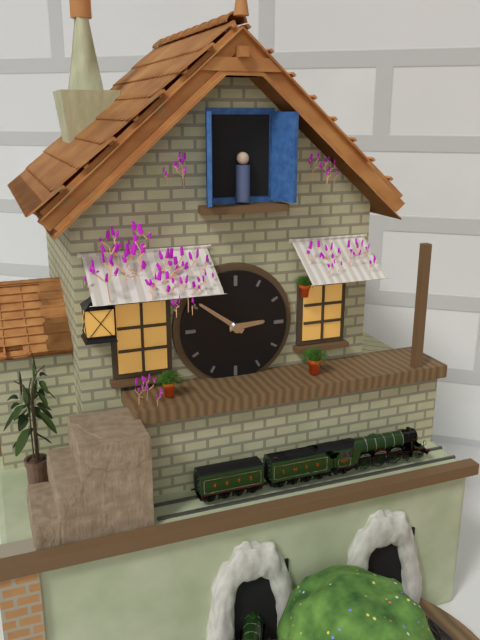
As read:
2,51
